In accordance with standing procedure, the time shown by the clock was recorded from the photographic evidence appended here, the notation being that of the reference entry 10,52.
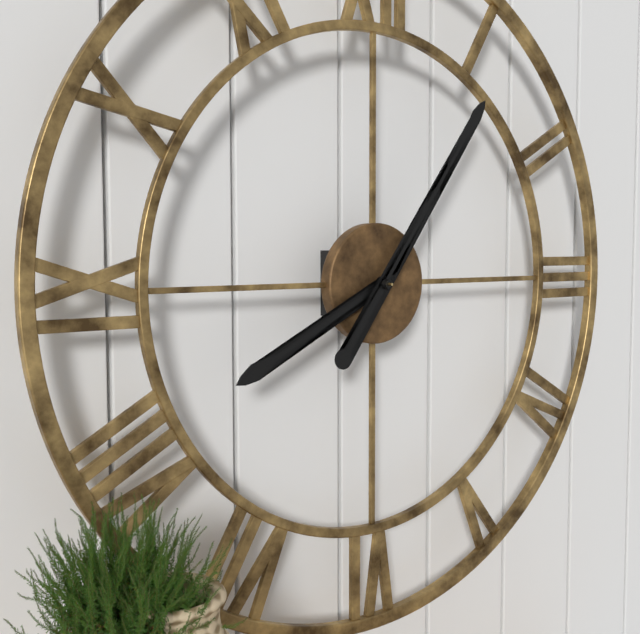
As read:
8,06
